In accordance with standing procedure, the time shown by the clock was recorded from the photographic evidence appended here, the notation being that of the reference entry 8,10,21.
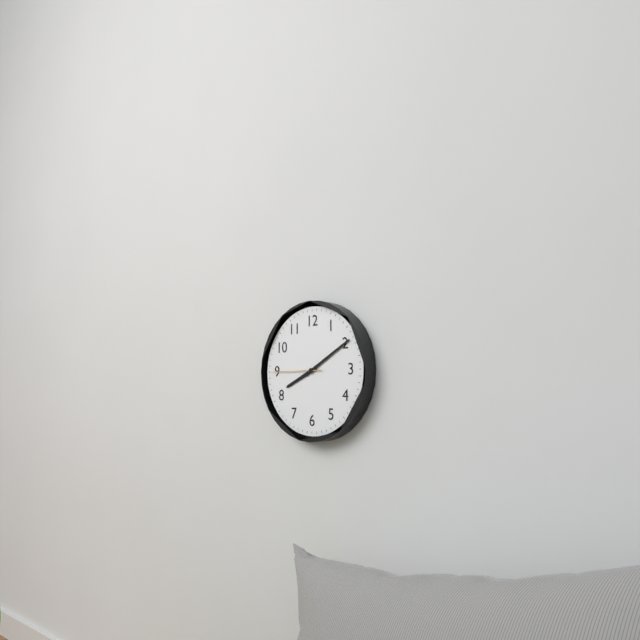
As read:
8,10,45
